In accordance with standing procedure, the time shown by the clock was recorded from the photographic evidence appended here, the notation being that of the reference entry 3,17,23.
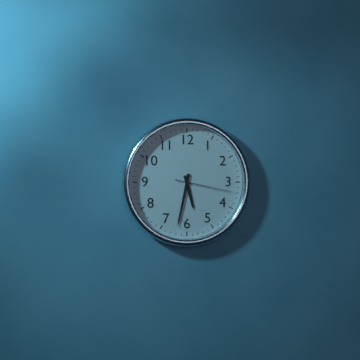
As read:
5,32,17
